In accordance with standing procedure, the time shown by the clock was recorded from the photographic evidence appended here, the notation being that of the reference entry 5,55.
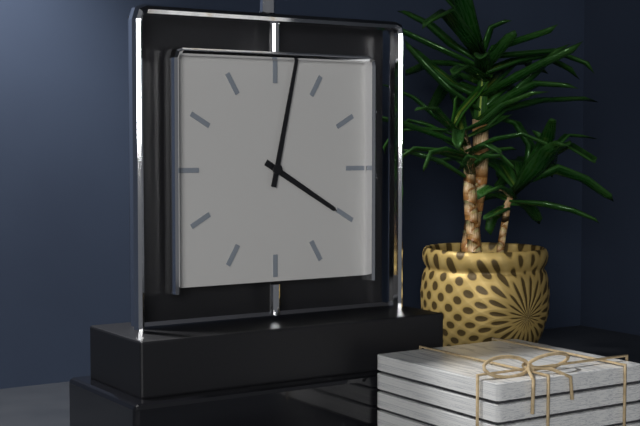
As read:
4,02
